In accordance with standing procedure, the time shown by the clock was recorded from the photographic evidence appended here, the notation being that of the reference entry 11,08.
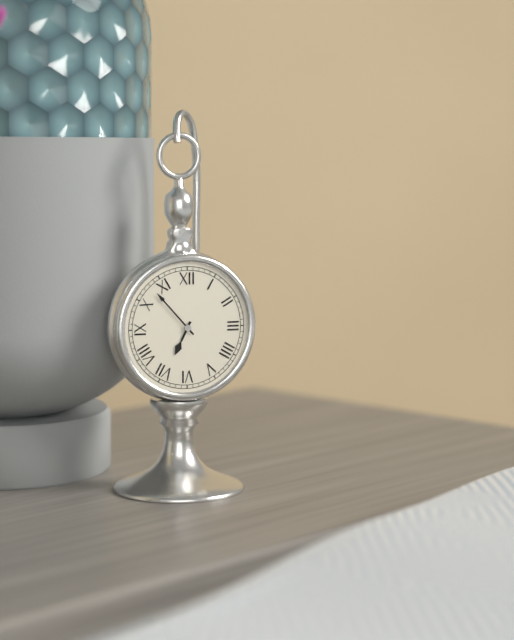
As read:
6,53
